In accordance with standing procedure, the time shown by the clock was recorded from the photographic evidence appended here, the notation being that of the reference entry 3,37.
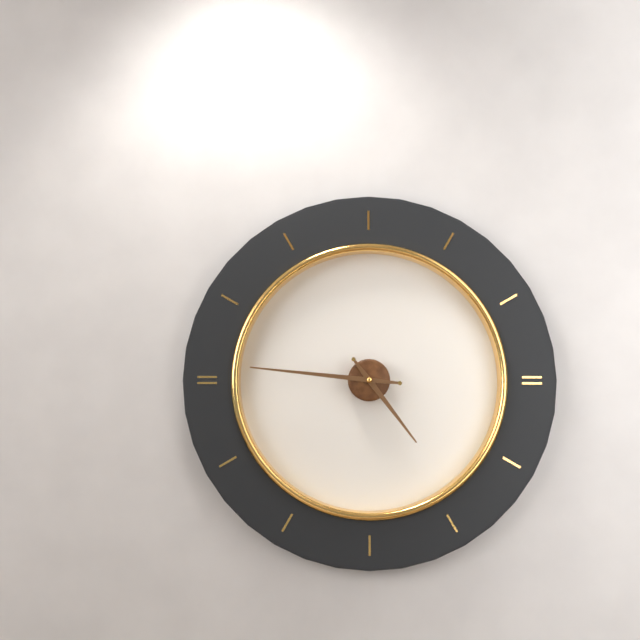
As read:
4,46
